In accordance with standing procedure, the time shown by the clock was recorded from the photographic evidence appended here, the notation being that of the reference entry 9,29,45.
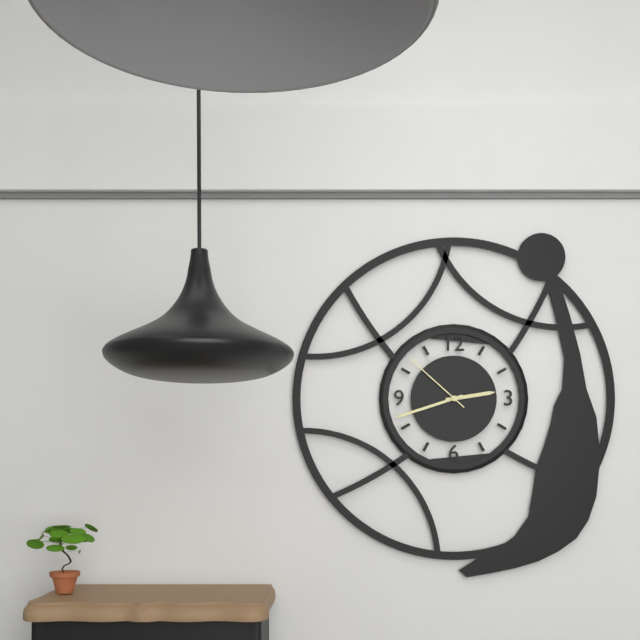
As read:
2,42,52
